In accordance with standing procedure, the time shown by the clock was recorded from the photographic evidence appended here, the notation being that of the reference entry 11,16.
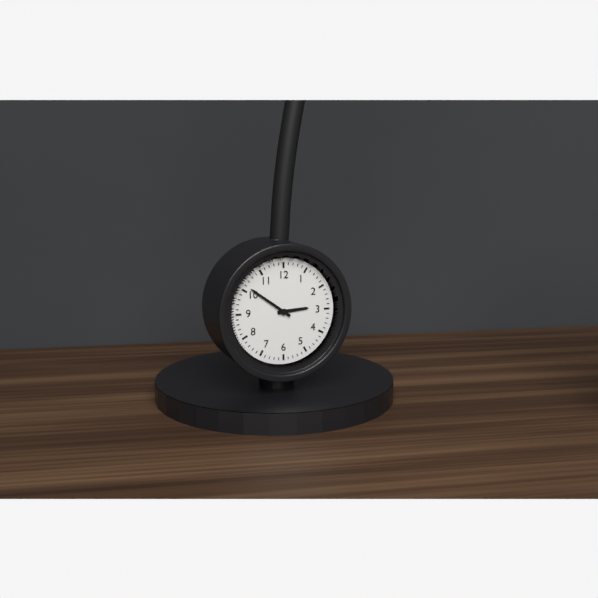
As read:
2,51
